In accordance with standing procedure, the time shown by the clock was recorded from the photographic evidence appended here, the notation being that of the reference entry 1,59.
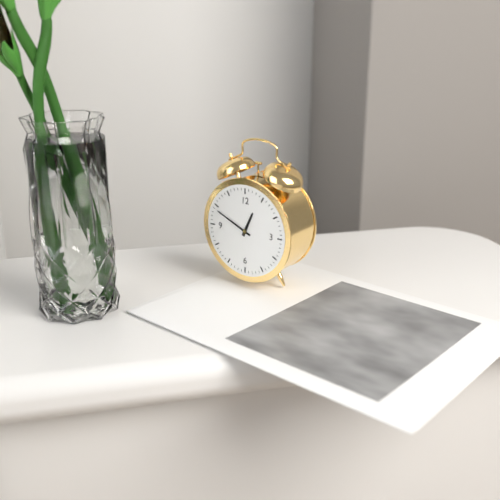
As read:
12,49
